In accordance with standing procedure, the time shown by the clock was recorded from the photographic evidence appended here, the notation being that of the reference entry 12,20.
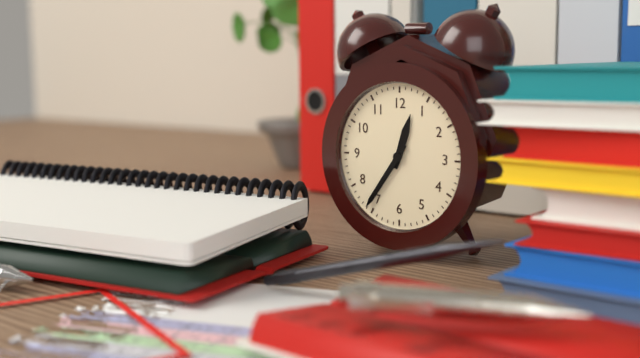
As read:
12,36
